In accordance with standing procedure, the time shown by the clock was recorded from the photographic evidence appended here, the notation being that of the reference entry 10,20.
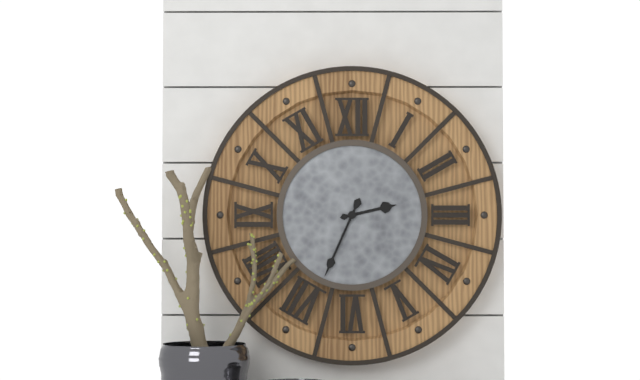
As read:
2,34
